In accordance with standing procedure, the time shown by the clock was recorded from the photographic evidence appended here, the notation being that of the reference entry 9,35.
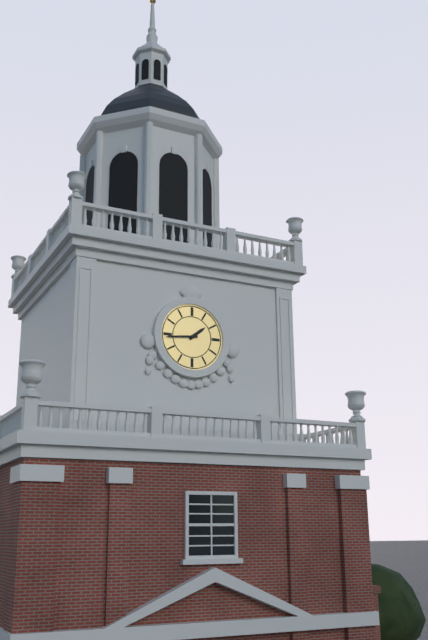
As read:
1,44
